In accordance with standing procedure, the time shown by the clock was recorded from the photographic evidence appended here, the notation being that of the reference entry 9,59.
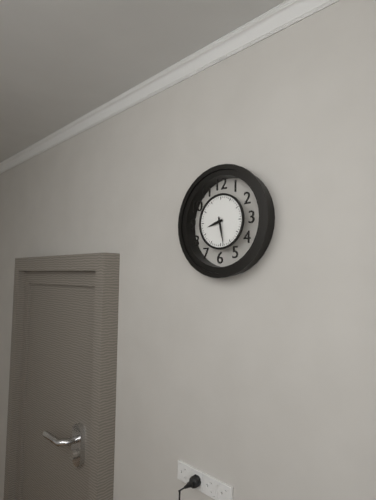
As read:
8,28
